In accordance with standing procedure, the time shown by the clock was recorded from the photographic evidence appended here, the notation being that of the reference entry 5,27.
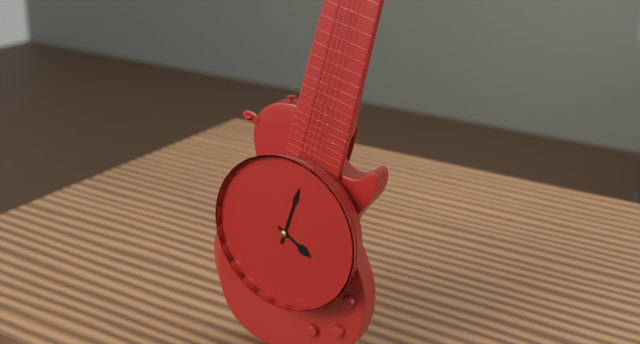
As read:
4,03
